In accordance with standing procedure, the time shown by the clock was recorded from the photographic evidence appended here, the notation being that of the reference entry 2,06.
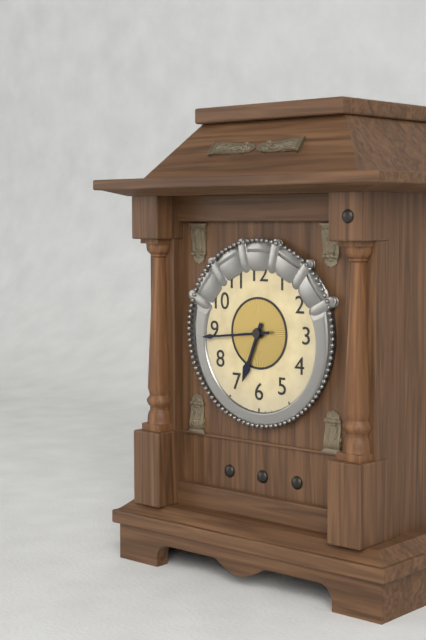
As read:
6,44
